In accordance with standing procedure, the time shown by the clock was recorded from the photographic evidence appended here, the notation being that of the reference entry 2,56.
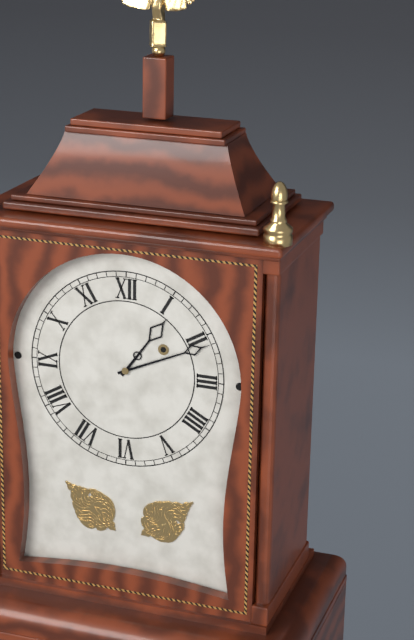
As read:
1,11
